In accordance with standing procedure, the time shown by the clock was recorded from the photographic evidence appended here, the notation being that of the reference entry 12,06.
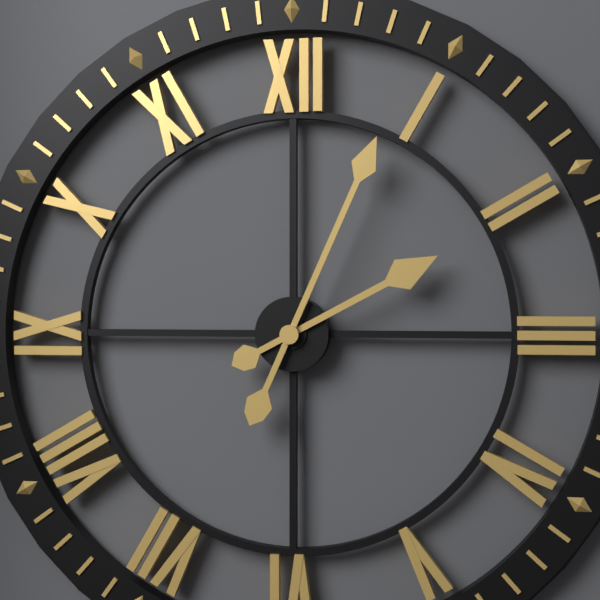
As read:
2,04
